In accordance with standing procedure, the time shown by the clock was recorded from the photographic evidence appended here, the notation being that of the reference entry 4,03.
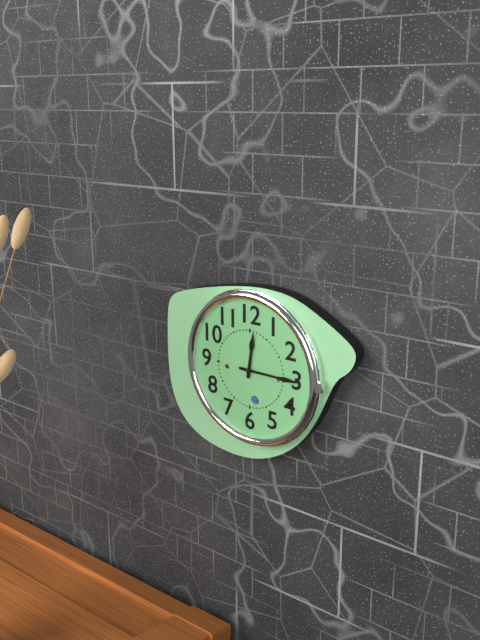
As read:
12,15
